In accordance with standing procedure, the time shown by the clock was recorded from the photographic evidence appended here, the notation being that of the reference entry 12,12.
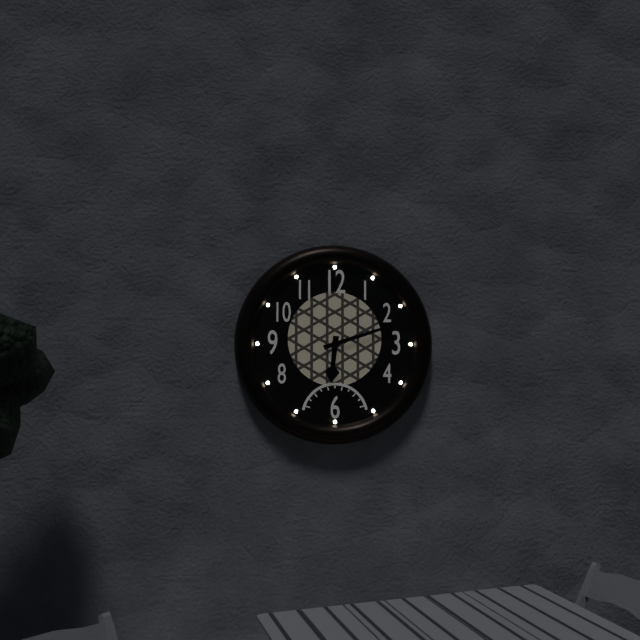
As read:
6,12
